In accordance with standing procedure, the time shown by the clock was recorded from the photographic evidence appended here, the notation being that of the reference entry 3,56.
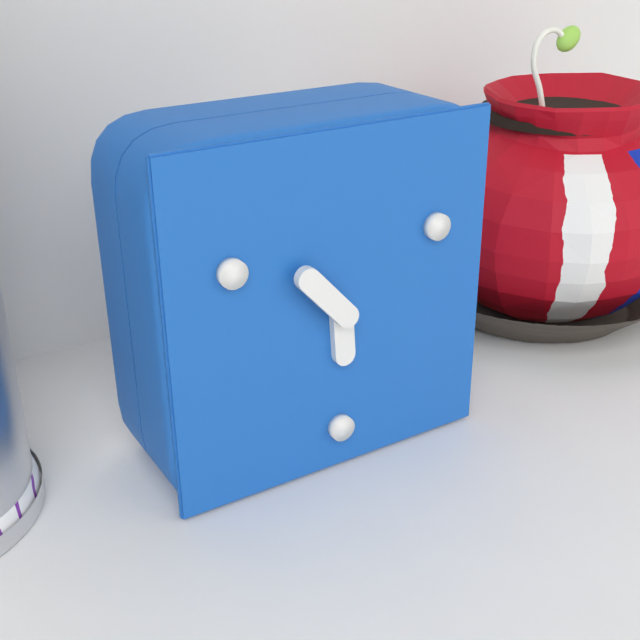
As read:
5,53
